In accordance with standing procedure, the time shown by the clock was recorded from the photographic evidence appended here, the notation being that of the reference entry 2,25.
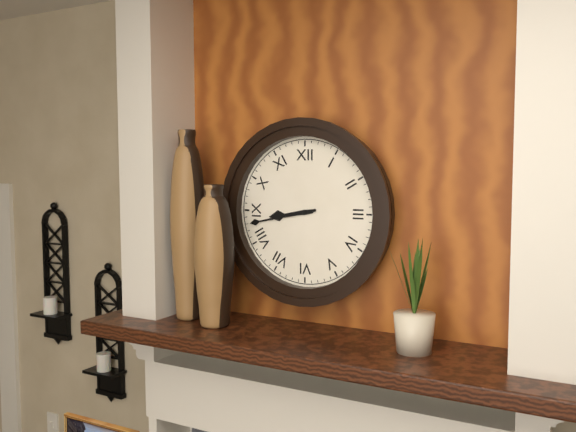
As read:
8,43
